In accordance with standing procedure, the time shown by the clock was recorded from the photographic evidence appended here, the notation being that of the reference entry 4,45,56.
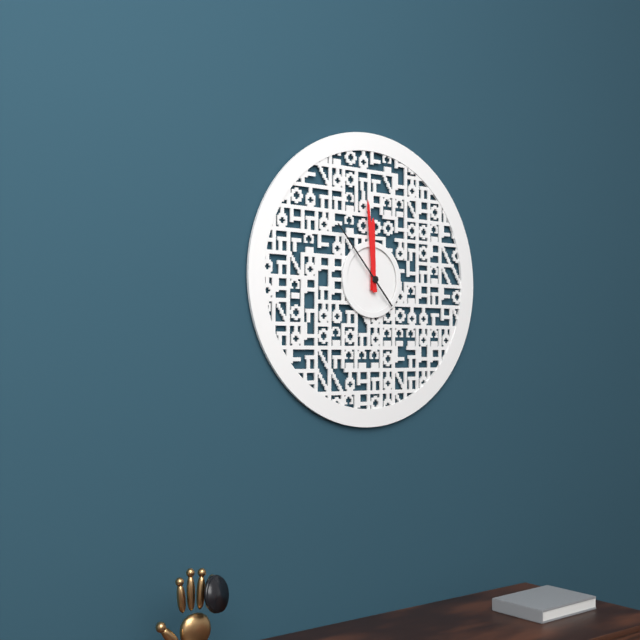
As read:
11,59,53
